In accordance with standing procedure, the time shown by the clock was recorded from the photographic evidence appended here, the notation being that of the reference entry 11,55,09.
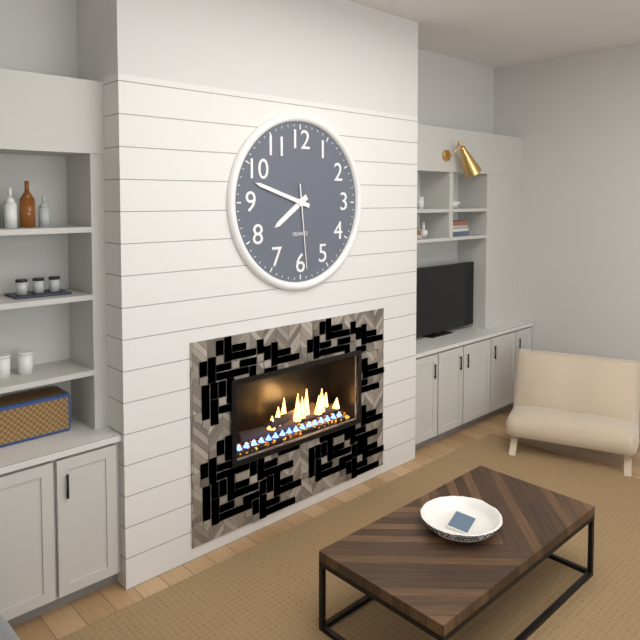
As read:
7,48,29
